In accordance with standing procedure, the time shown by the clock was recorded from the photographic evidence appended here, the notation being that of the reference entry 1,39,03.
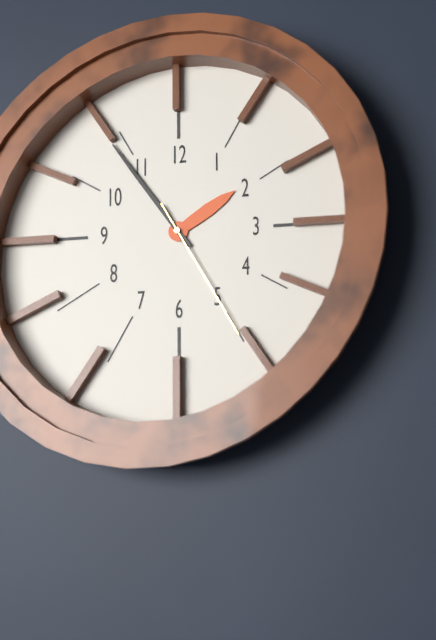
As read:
1,54,25
